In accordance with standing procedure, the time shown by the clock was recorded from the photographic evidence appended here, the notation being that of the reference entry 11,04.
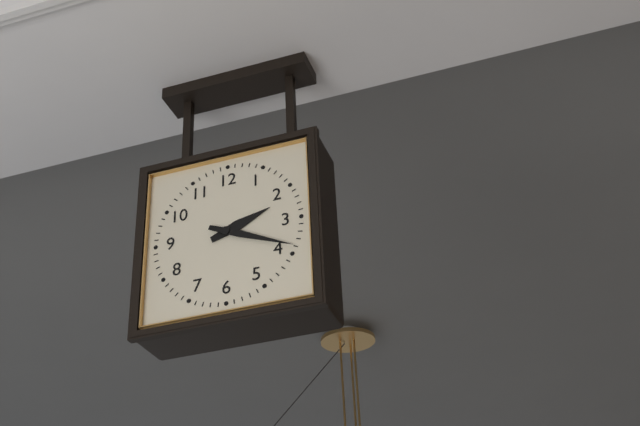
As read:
2,19
